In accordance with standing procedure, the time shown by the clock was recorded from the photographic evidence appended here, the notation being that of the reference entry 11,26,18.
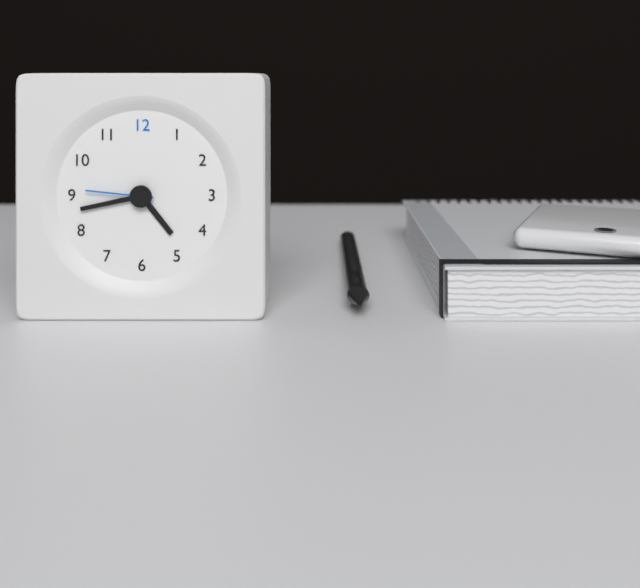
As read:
4,43,46
